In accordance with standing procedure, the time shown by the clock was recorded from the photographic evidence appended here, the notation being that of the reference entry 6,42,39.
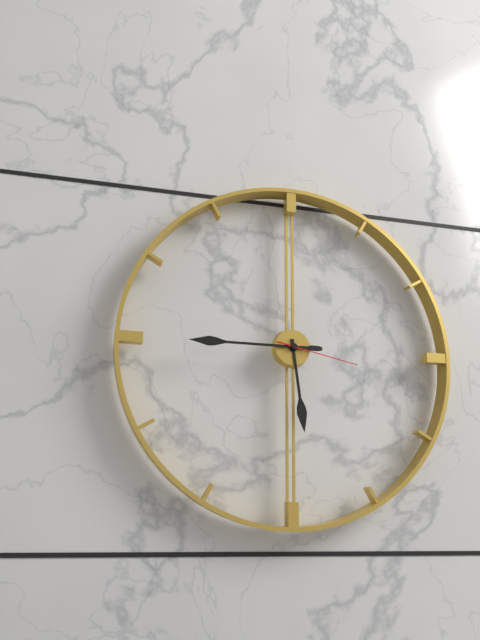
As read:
5,45,17
